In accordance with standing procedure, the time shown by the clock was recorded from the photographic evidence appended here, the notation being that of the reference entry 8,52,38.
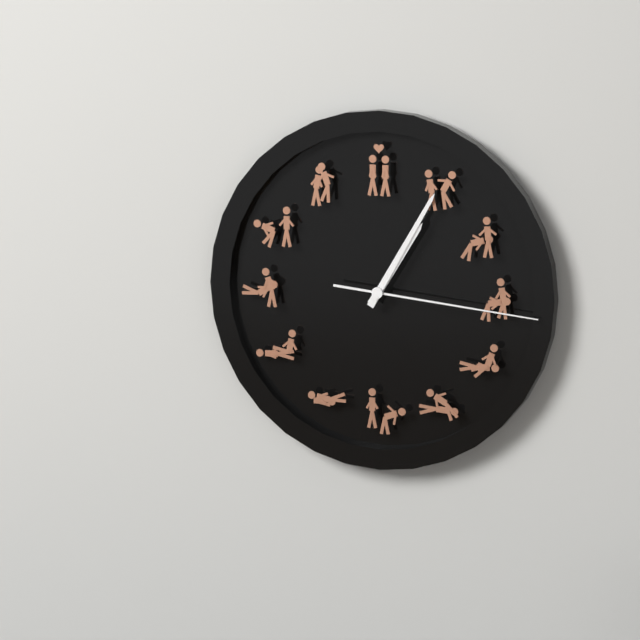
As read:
1,05,16
